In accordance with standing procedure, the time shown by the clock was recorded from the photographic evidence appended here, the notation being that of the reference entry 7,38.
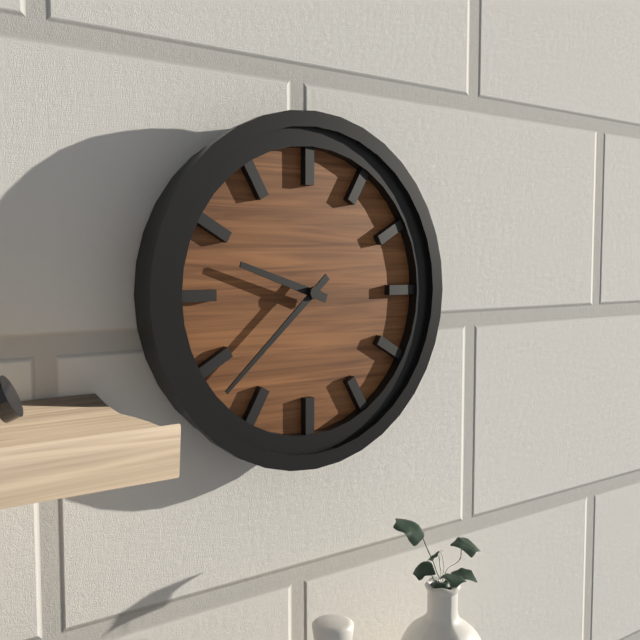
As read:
9,38
